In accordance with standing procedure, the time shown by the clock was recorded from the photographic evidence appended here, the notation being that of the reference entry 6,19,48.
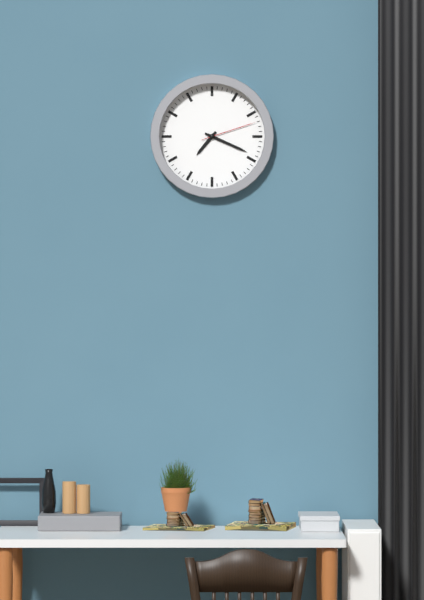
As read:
7,19,12
